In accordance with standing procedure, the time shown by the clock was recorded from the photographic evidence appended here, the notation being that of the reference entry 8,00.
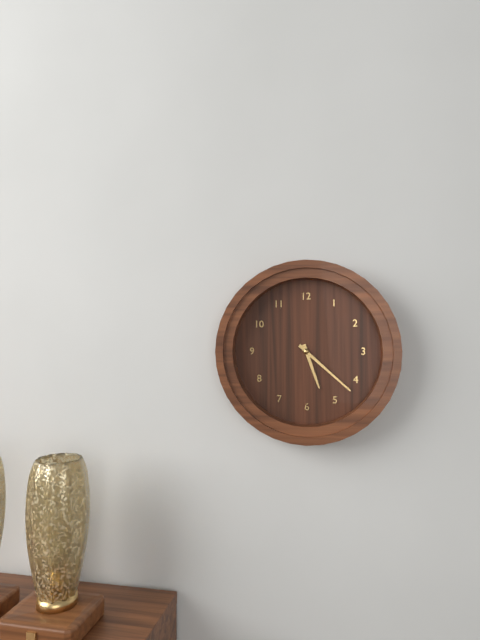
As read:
5,22
